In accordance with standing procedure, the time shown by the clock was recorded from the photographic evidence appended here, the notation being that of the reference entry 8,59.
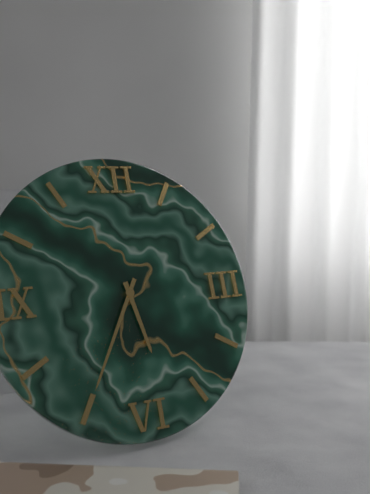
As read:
5,35
